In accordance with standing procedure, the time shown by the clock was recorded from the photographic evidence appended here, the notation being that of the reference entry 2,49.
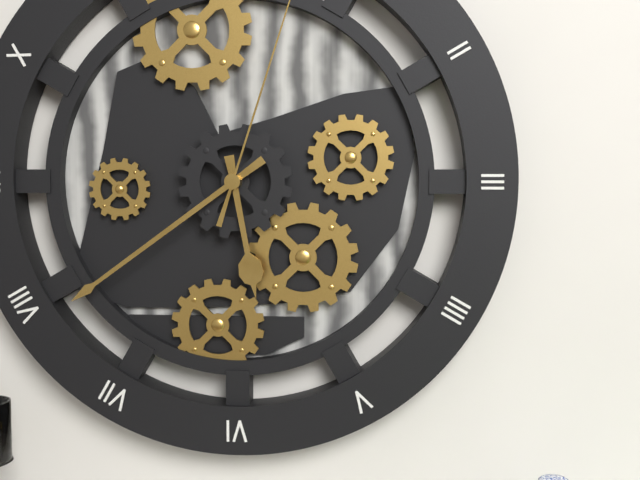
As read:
5,39
